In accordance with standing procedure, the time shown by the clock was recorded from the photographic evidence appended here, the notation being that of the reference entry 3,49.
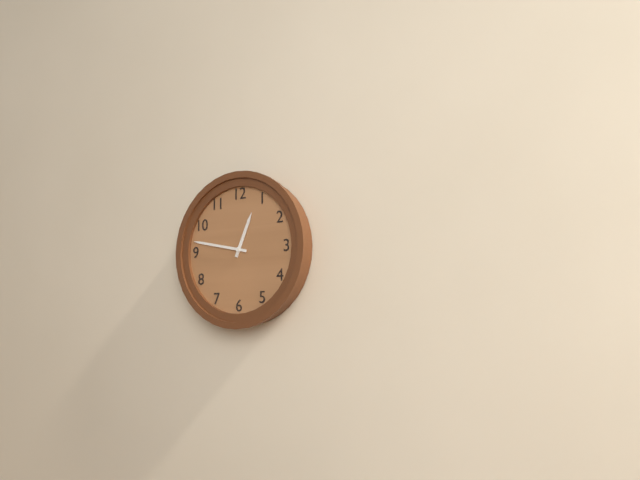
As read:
12,47
